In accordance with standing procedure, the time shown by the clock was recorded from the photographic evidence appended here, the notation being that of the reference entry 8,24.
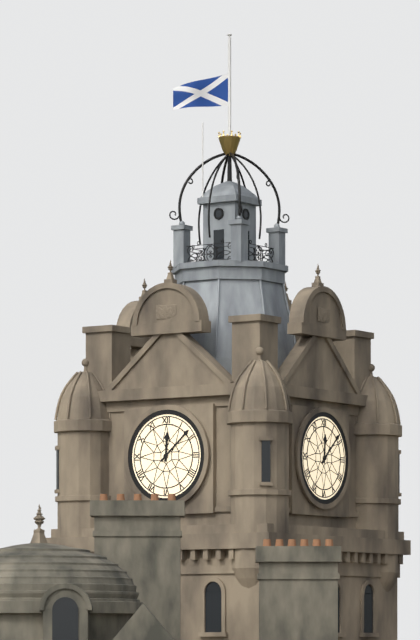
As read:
12,08
